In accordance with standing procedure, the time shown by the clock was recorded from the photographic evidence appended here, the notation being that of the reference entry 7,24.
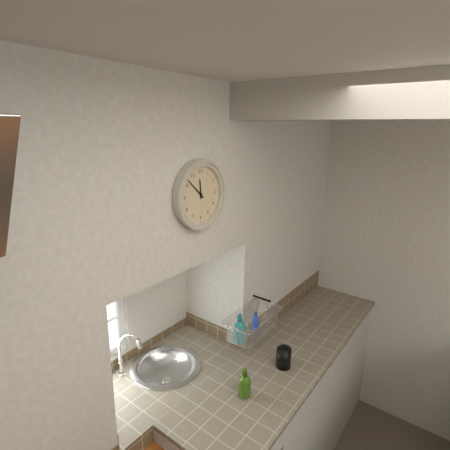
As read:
11,52
